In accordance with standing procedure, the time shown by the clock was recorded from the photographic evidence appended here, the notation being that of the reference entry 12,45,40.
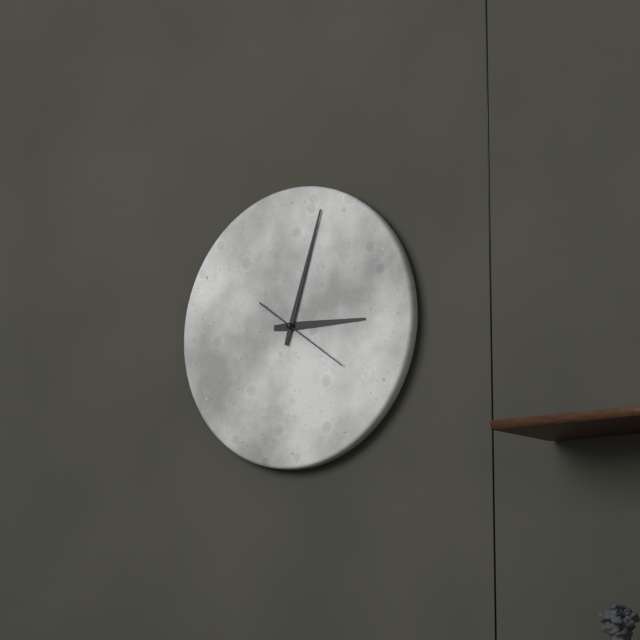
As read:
3,03,21
